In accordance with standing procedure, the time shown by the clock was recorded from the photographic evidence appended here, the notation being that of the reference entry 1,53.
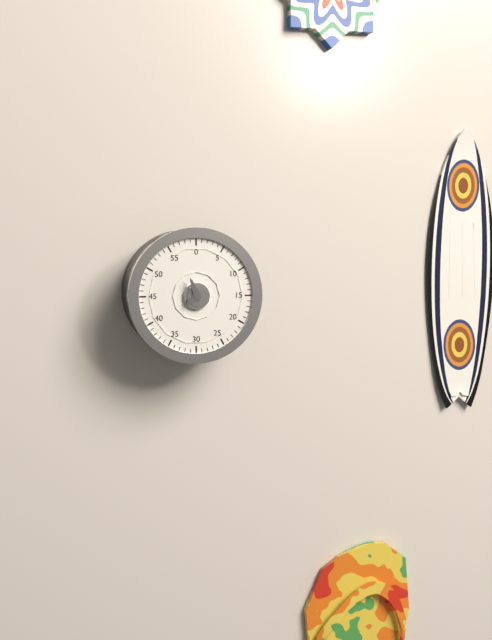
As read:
7,56
